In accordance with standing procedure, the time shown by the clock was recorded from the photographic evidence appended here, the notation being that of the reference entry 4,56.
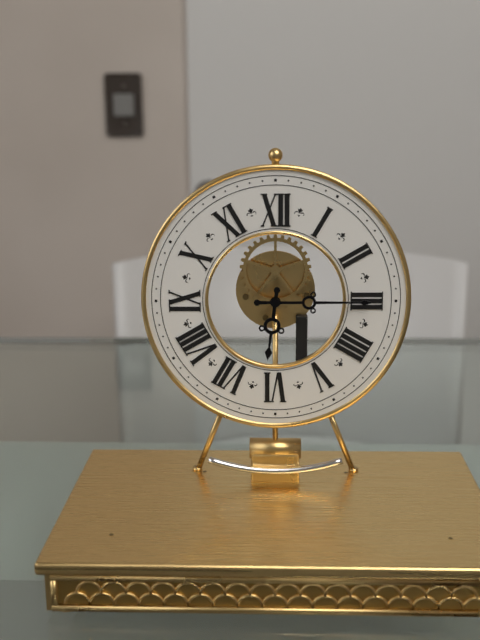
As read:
6,15
